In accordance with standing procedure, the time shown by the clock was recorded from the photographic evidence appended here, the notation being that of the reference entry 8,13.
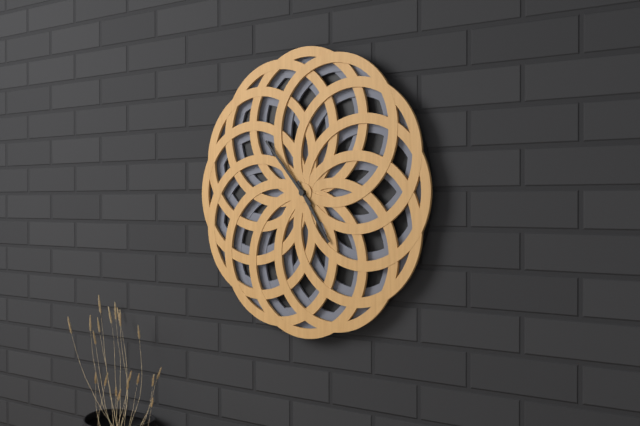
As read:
4,53
